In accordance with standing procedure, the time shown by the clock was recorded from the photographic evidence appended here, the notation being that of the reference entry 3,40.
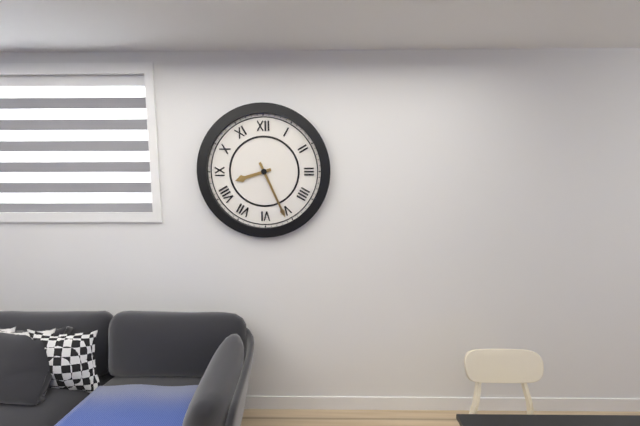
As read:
8,26
